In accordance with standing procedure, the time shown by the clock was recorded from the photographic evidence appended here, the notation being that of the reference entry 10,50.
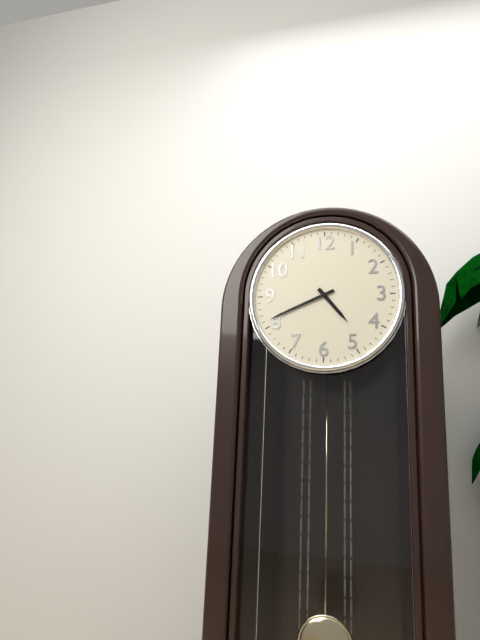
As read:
4,41
